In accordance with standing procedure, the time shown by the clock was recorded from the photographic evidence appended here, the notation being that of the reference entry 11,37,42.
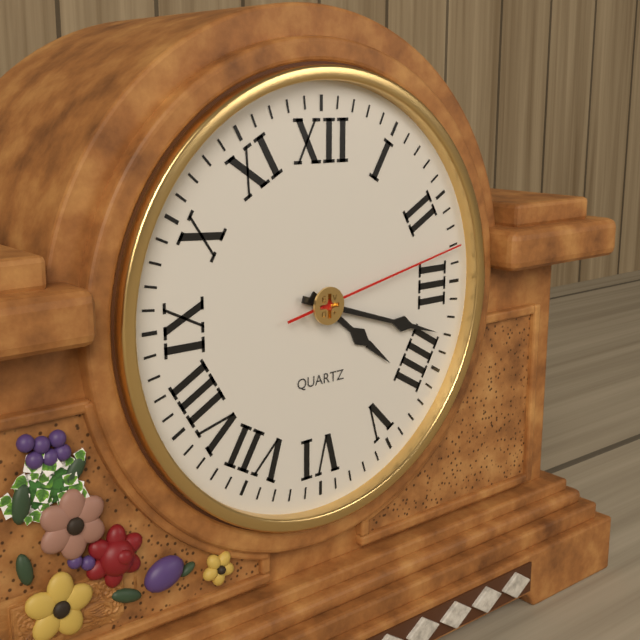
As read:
4,18,13
